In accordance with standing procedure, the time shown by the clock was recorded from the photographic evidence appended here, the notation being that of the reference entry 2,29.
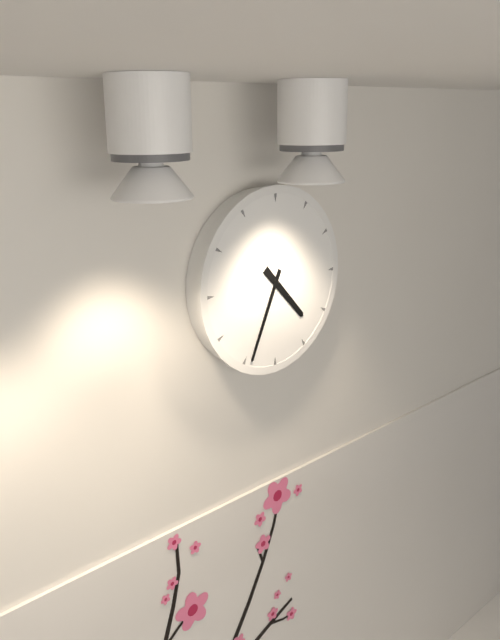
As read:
4,34
